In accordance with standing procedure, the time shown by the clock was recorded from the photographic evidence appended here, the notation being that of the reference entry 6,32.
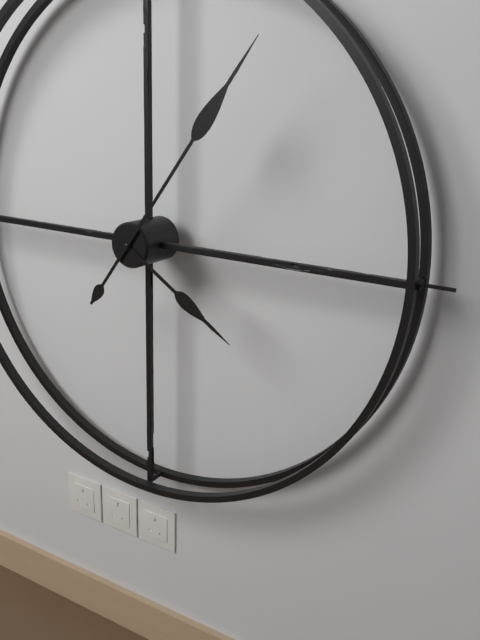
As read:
4,06
